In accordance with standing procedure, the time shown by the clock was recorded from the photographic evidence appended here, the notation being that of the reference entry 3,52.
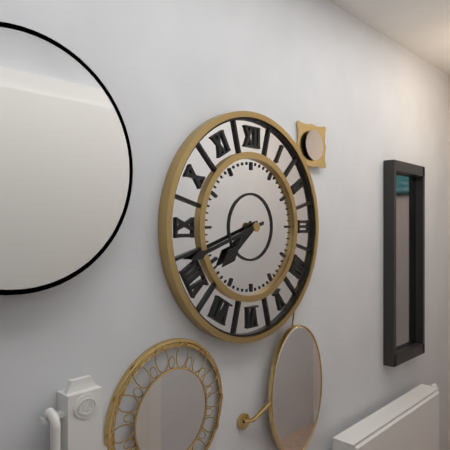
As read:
7,42
